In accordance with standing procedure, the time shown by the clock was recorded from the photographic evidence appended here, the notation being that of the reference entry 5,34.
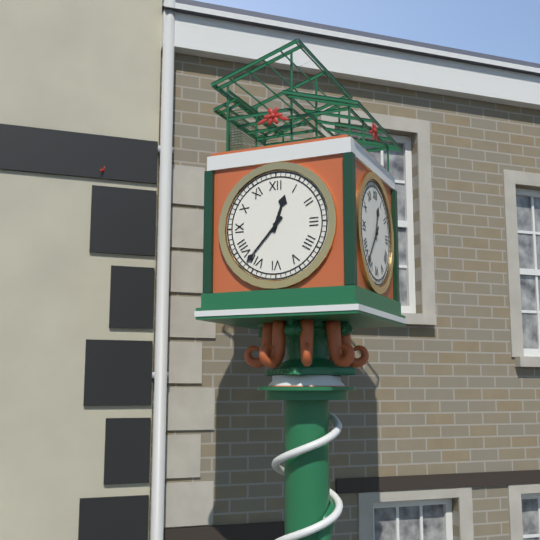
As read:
12,37
